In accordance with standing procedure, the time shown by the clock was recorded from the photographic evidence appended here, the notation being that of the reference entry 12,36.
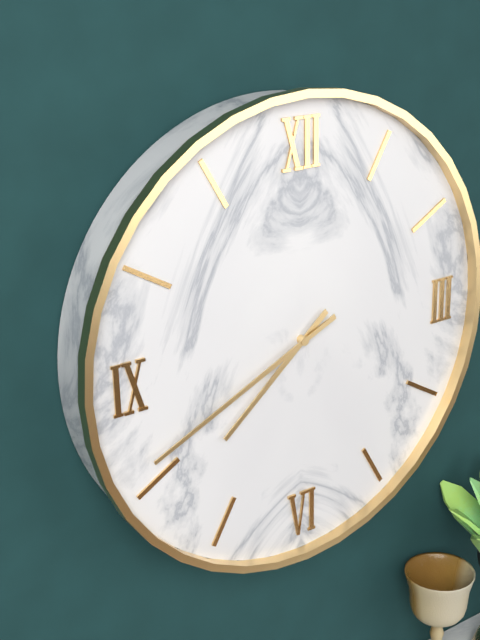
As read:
7,41
